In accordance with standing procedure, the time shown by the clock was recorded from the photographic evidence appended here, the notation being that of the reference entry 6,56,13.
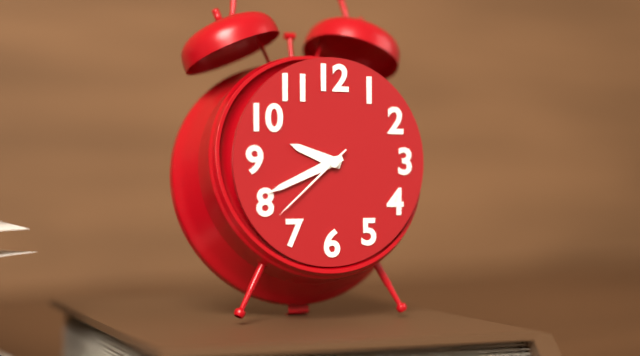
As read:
9,41,38
